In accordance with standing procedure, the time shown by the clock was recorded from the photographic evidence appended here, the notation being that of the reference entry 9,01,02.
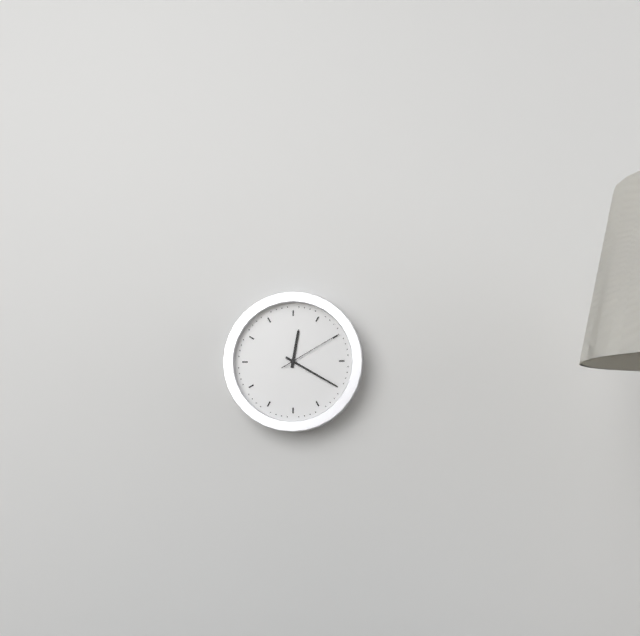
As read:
12,20,10
